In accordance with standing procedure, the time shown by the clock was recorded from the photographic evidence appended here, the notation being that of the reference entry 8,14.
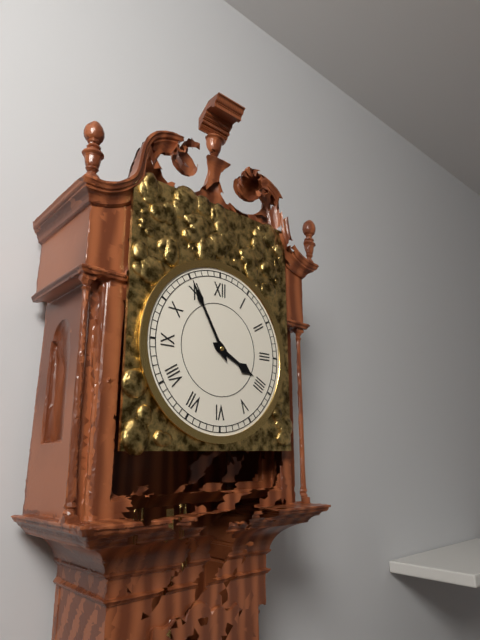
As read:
3,55
